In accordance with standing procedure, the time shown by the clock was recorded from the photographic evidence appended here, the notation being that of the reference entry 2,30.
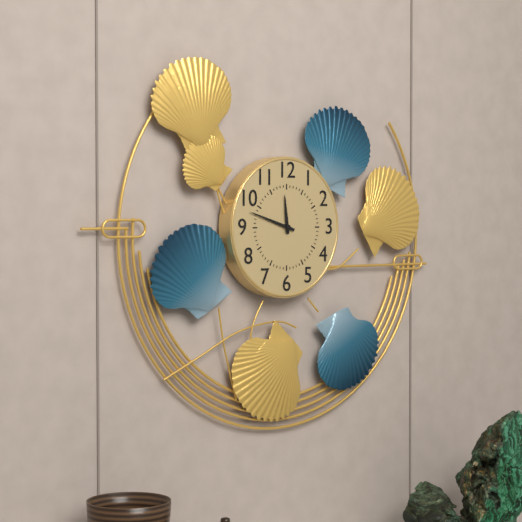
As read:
11,48
